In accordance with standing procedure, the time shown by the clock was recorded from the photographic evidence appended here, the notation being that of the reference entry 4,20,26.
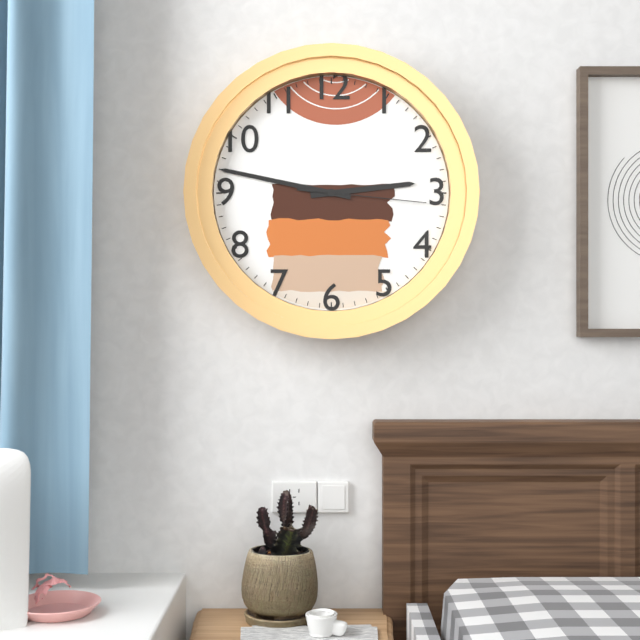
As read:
2,47,16
